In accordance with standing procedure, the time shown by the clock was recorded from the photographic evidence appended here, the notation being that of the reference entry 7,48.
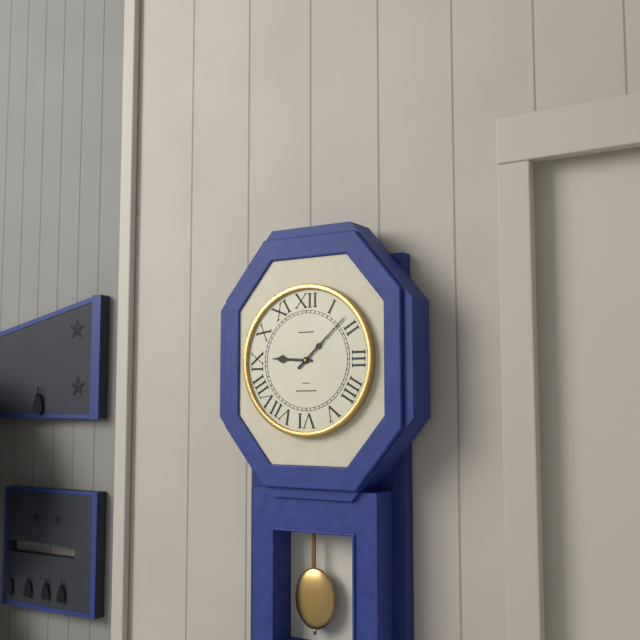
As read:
9,08
